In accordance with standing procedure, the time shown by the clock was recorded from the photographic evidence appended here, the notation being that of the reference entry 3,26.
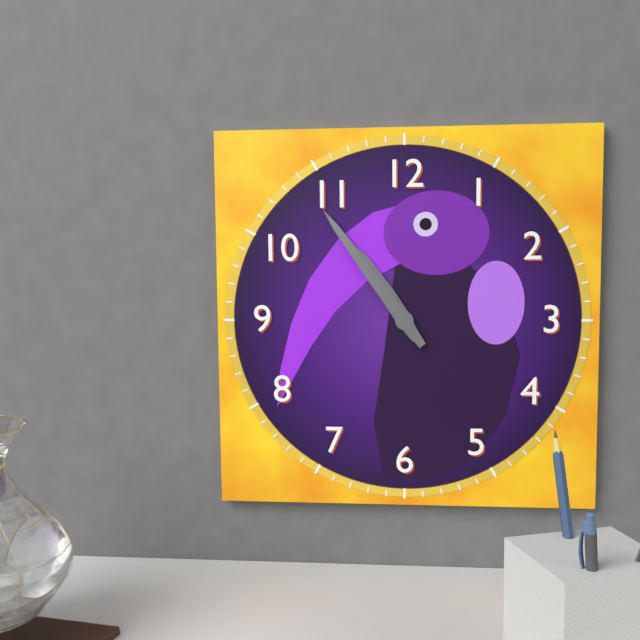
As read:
10,54
